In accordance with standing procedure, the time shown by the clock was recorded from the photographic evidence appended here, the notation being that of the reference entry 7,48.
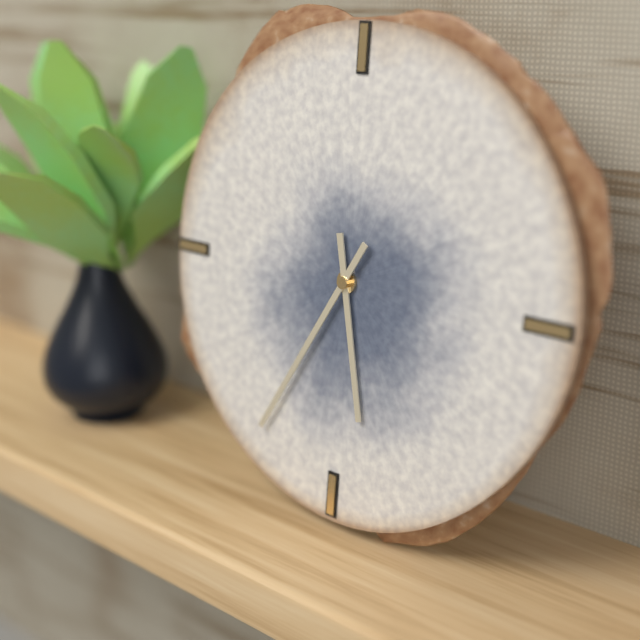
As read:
5,35
